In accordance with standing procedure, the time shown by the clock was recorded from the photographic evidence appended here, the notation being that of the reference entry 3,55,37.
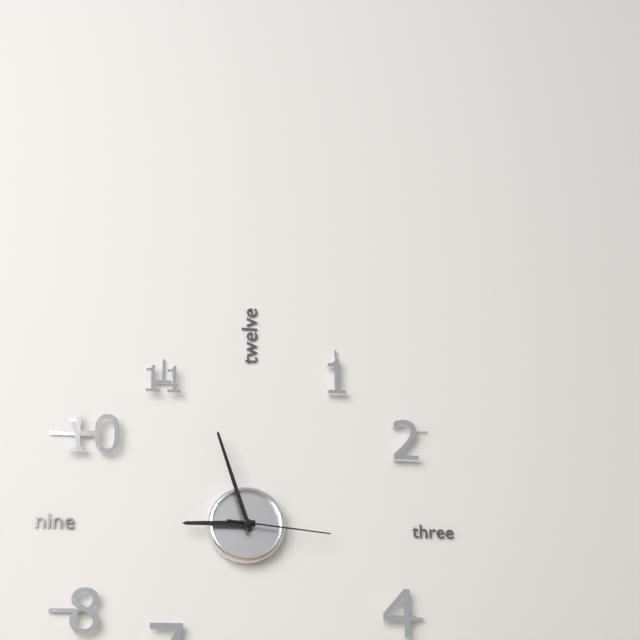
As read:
8,57,16
